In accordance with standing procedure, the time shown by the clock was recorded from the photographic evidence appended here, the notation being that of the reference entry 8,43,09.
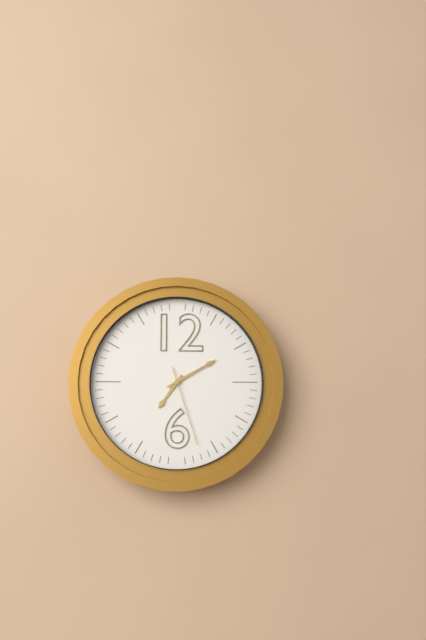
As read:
7,10,27
